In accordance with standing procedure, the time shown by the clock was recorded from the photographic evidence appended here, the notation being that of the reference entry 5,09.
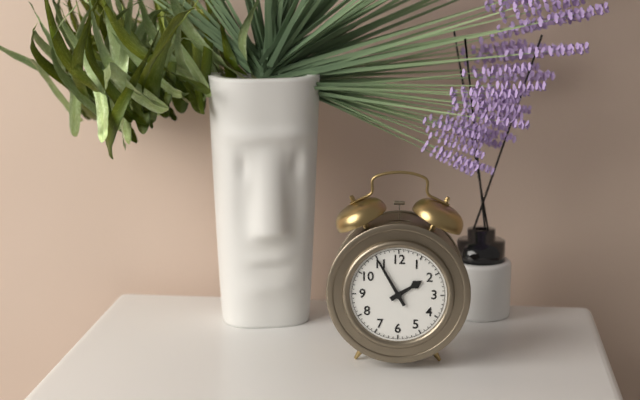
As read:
1,55
